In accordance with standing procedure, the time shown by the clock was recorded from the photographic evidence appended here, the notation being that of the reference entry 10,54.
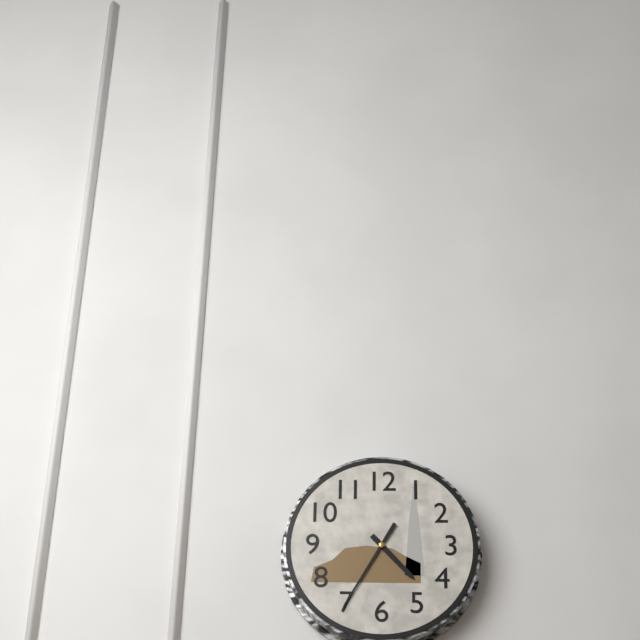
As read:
4,35
